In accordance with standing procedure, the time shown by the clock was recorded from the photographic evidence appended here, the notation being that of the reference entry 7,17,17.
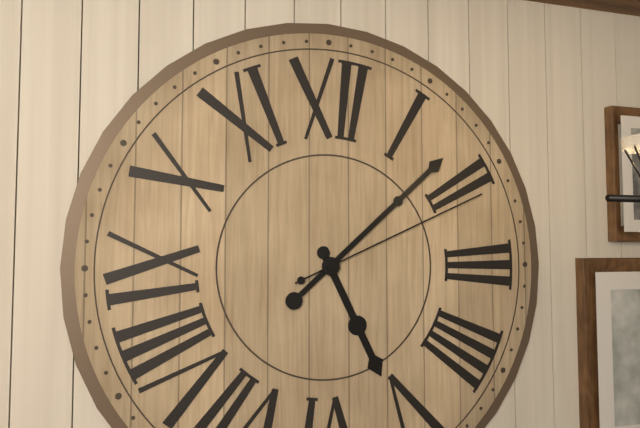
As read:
5,08,11
